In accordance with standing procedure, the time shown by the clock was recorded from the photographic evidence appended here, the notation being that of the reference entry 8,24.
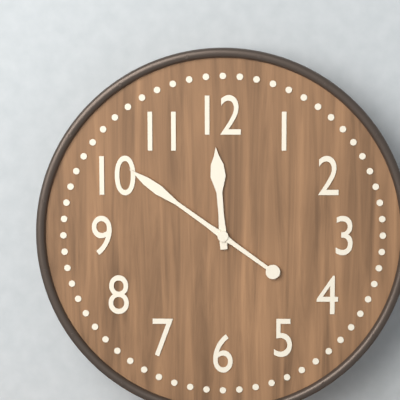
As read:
11,51
